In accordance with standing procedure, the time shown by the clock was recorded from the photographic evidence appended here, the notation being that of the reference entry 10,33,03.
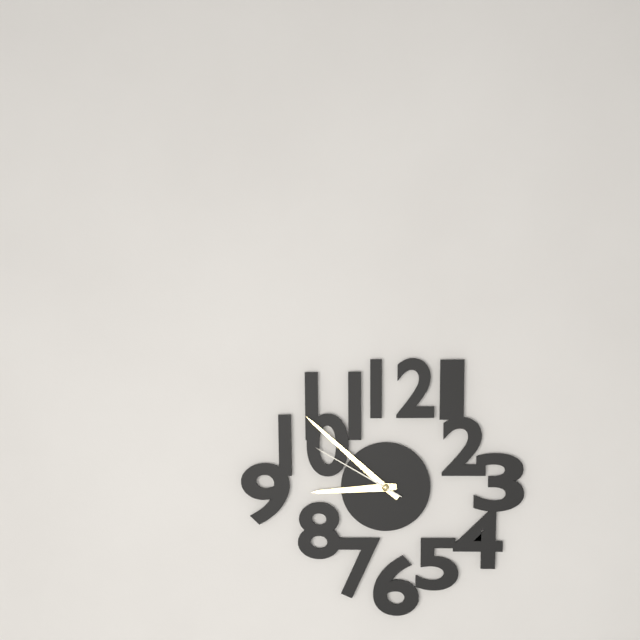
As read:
8,52,50
